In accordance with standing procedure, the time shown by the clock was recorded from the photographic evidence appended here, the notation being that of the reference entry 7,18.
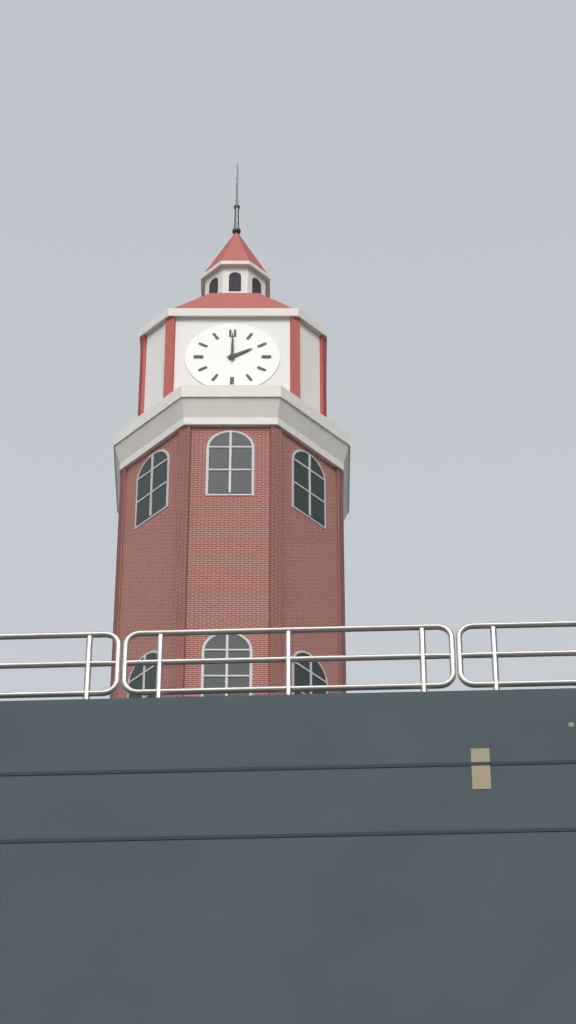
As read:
2,00
